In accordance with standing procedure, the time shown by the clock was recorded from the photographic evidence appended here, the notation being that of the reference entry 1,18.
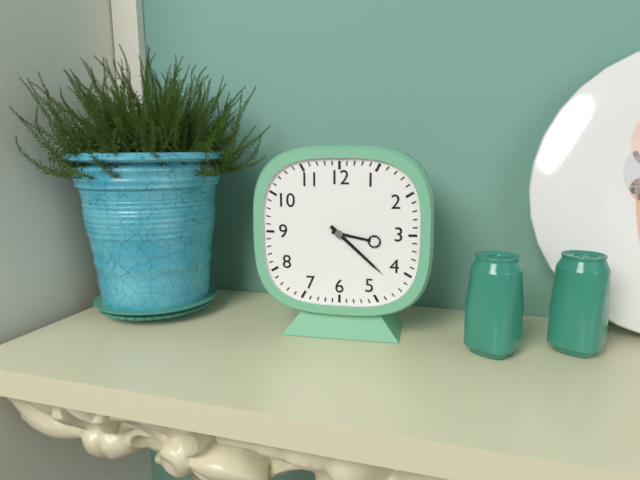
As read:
3,22
